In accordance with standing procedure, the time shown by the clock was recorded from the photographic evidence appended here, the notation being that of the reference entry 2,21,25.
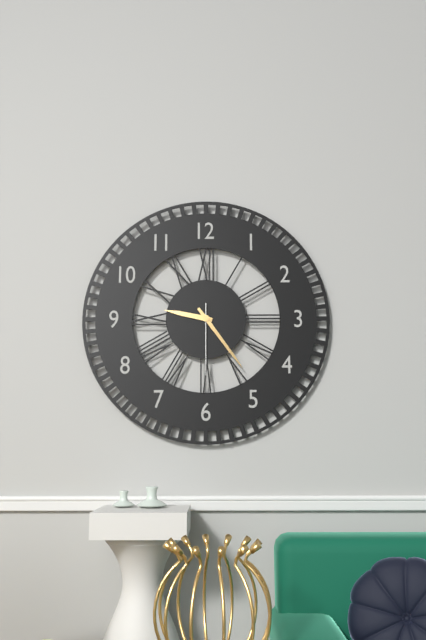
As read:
9,24,30
